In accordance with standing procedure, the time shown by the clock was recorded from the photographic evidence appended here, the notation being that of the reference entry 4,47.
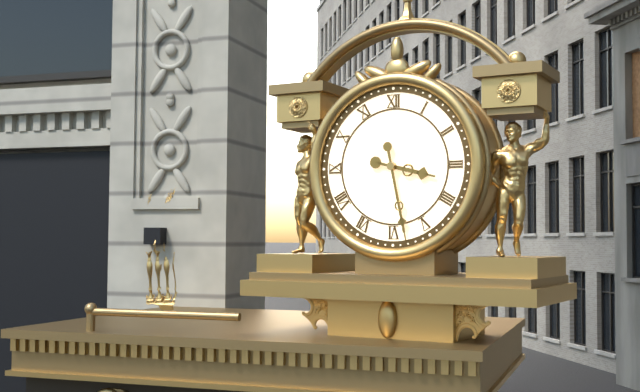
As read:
3,28
